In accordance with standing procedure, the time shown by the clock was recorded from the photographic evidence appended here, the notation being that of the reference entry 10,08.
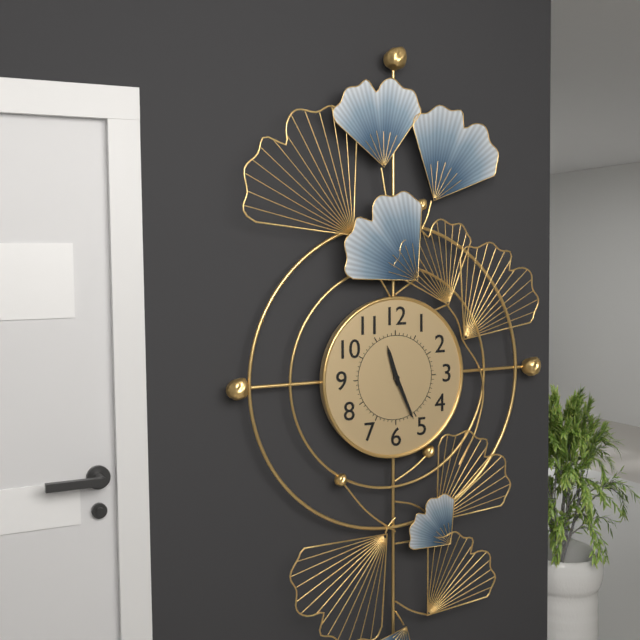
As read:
11,26
